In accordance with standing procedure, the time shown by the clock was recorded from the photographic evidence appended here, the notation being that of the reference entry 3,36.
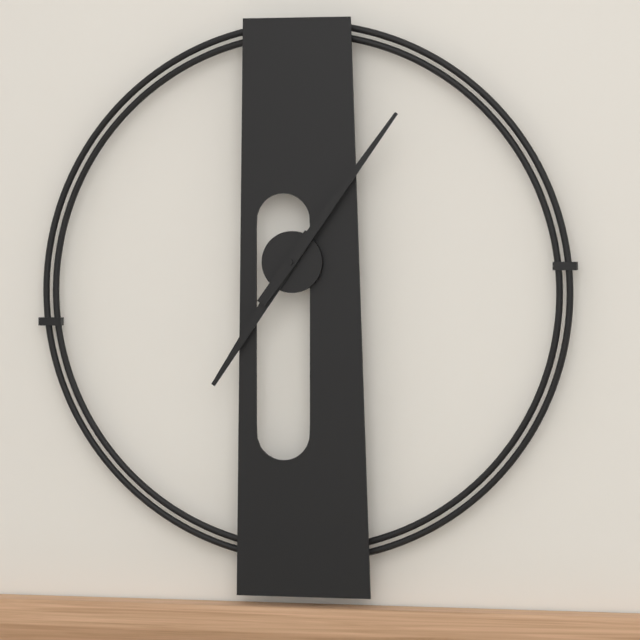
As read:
7,06
